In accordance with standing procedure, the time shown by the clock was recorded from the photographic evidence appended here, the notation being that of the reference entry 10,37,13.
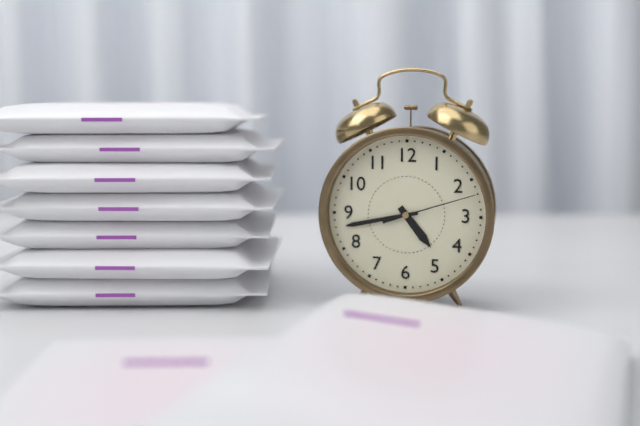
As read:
4,43,12
